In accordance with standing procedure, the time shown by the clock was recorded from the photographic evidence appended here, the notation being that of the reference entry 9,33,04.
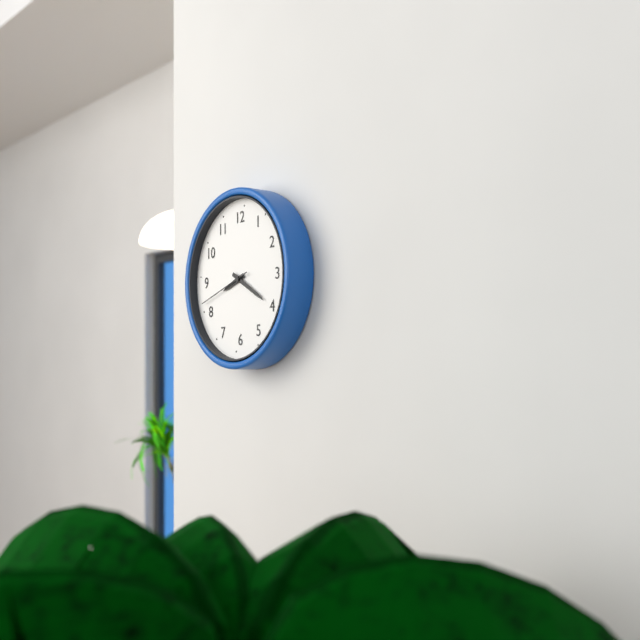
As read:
8,20,42
